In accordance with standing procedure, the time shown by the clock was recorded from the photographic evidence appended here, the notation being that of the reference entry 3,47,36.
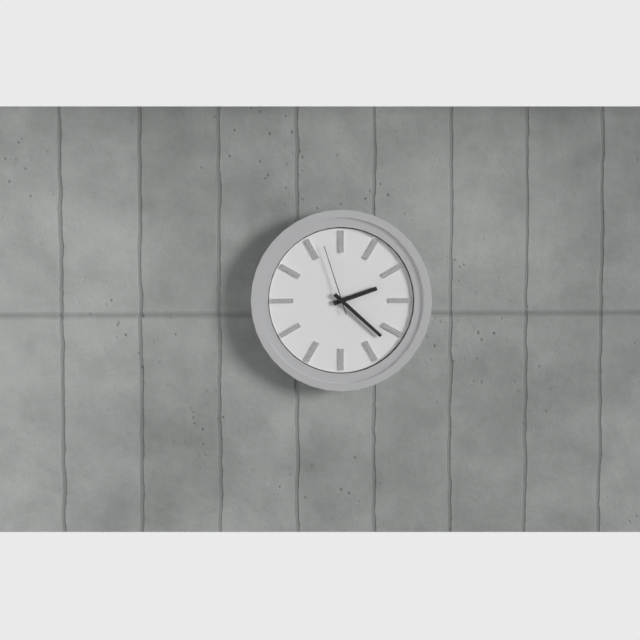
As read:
2,22,57
